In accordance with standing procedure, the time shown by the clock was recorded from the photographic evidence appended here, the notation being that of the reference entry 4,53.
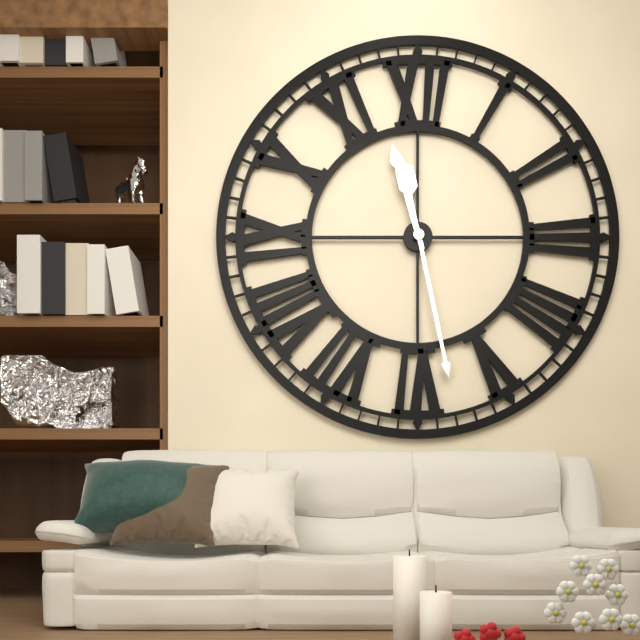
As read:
11,28
